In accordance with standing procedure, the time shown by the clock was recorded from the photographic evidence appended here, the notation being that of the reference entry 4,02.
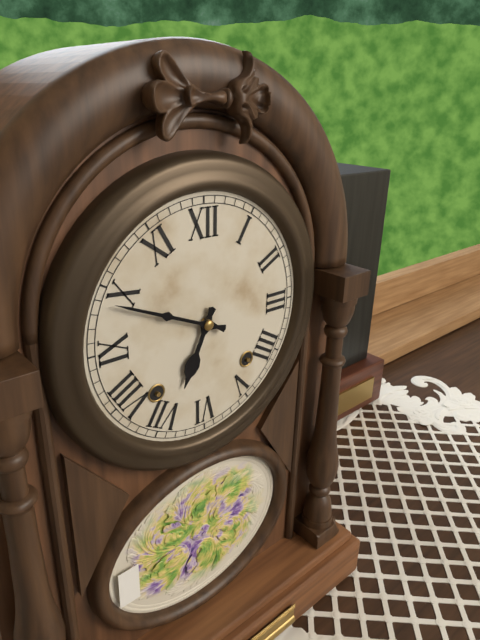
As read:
6,49
